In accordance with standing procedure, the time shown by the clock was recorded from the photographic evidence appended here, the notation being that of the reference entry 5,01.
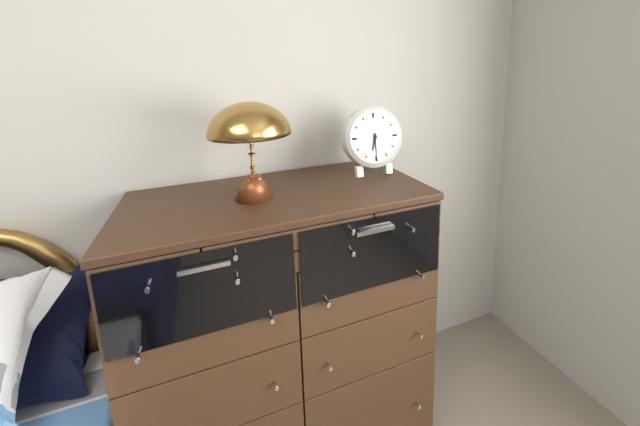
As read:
6,30
